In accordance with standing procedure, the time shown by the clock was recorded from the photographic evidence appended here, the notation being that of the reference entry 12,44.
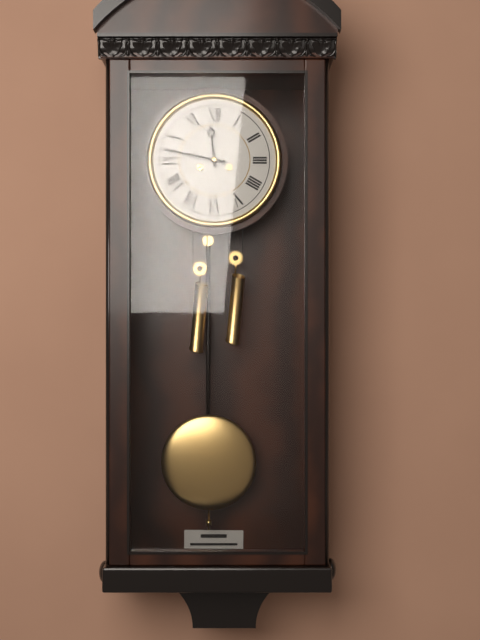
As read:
11,47
